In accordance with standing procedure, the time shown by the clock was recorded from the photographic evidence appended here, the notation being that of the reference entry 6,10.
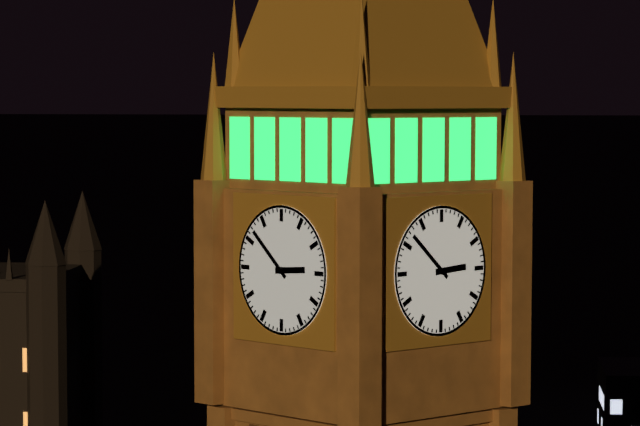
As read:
2,52
